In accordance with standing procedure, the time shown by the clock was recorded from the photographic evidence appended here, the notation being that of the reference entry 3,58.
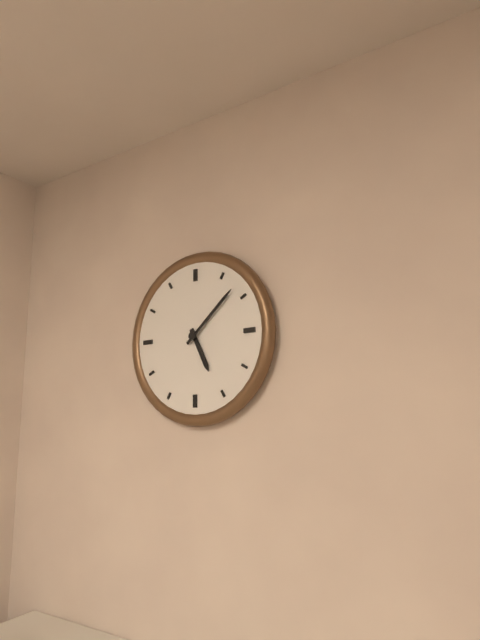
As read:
5,08
